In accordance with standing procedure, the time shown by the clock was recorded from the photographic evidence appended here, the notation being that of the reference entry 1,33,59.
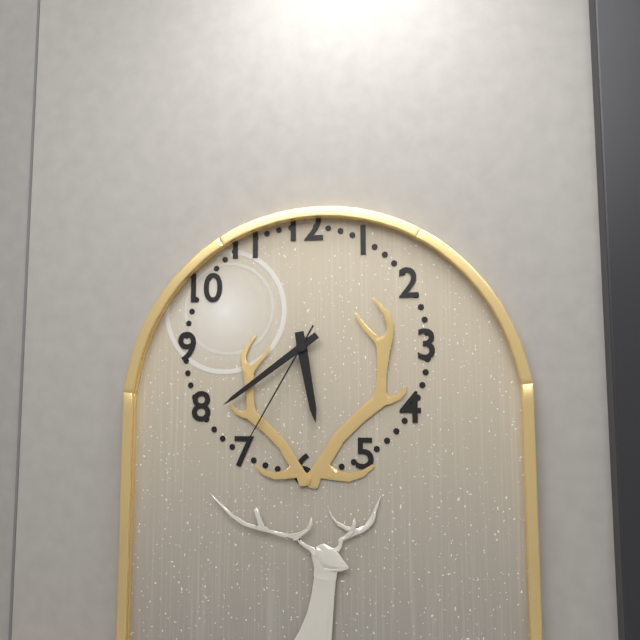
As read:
5,39,35
